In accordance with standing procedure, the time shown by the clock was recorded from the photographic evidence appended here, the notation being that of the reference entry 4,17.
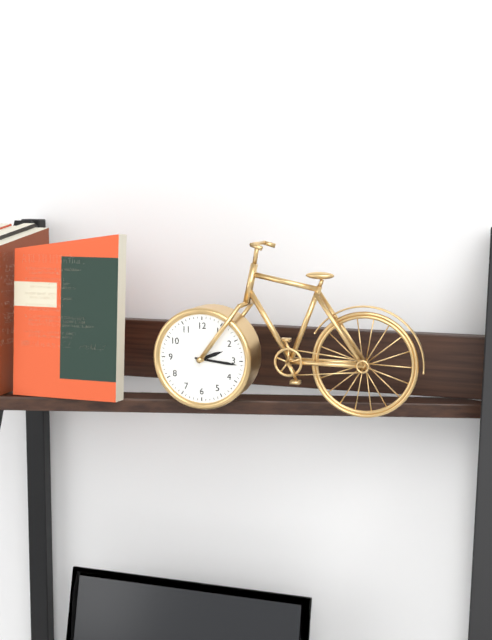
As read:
2,16
